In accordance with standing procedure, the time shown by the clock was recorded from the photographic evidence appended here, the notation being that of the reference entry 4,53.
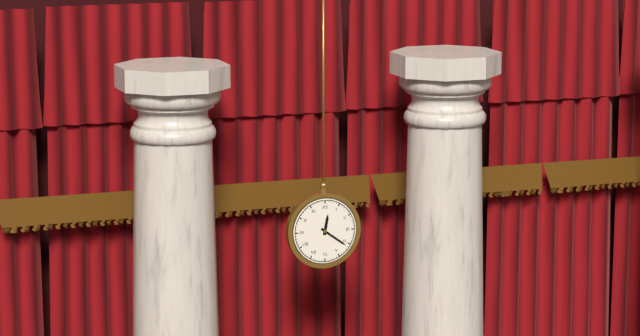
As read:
12,21
